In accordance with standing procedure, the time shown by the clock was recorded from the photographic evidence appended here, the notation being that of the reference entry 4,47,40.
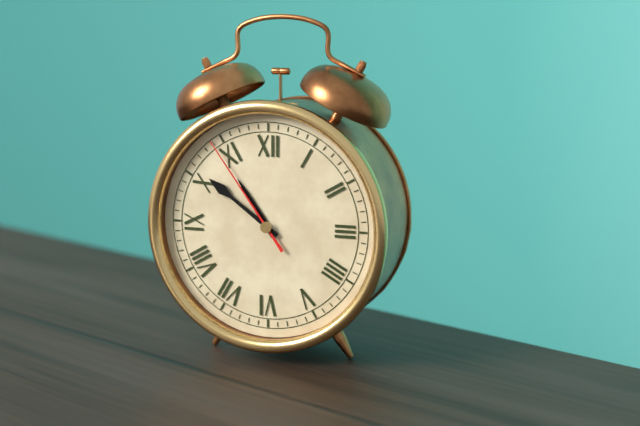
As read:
10,51,54
